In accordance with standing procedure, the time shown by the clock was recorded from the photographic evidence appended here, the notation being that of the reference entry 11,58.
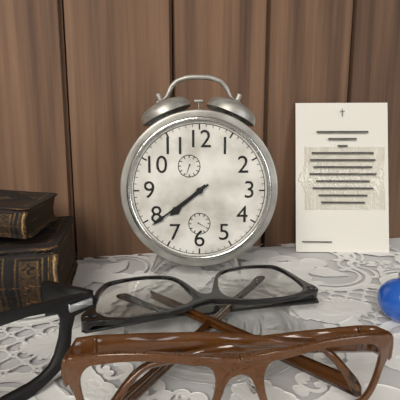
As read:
7,39
